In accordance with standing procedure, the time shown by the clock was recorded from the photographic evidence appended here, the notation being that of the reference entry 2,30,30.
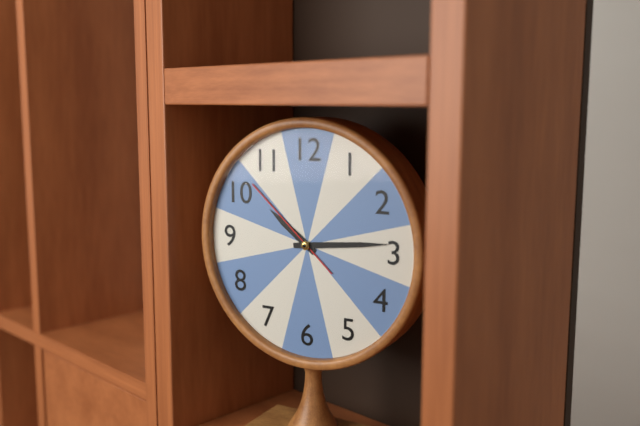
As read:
10,14,52
